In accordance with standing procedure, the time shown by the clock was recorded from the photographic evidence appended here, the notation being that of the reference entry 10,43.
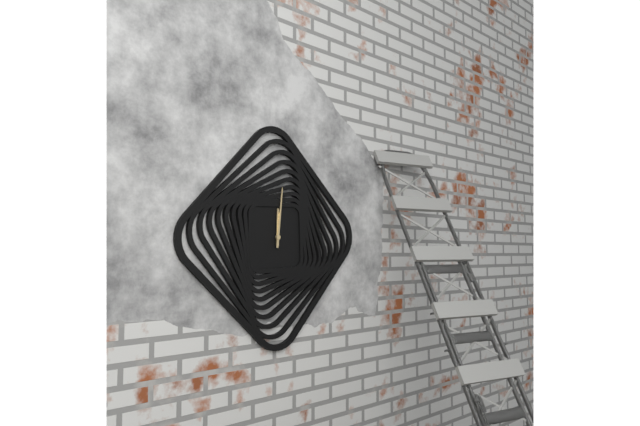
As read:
12,01
